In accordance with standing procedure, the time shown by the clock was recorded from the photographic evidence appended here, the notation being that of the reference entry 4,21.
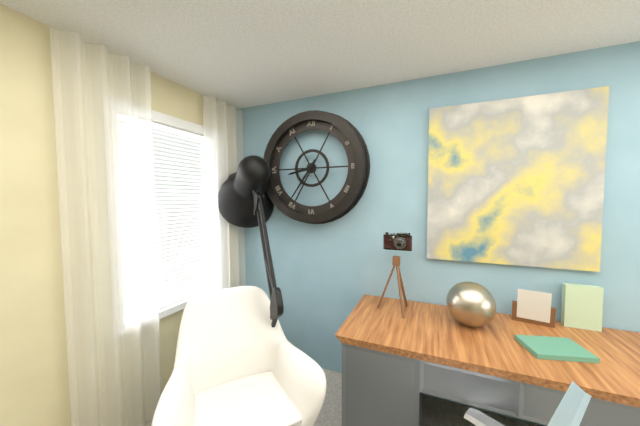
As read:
8,36
